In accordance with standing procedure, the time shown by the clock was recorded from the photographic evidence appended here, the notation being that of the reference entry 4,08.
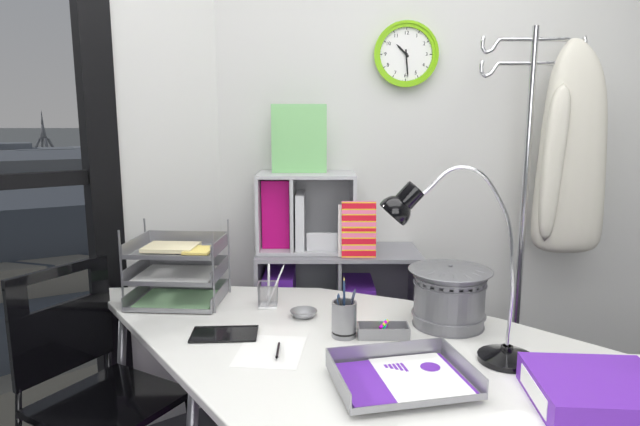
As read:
10,29
